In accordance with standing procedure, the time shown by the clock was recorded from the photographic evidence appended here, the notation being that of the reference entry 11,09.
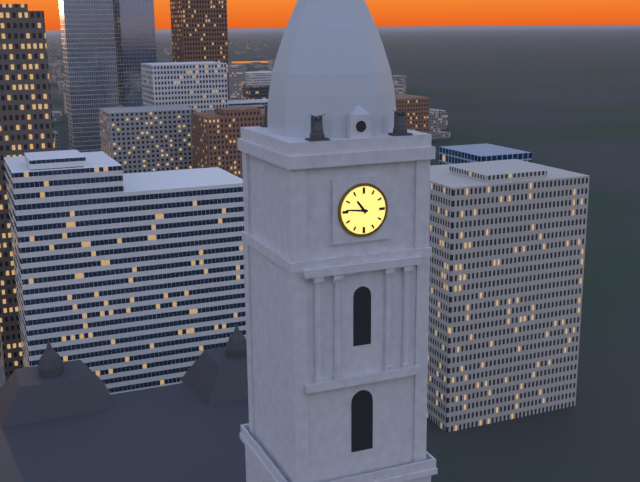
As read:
10,46
